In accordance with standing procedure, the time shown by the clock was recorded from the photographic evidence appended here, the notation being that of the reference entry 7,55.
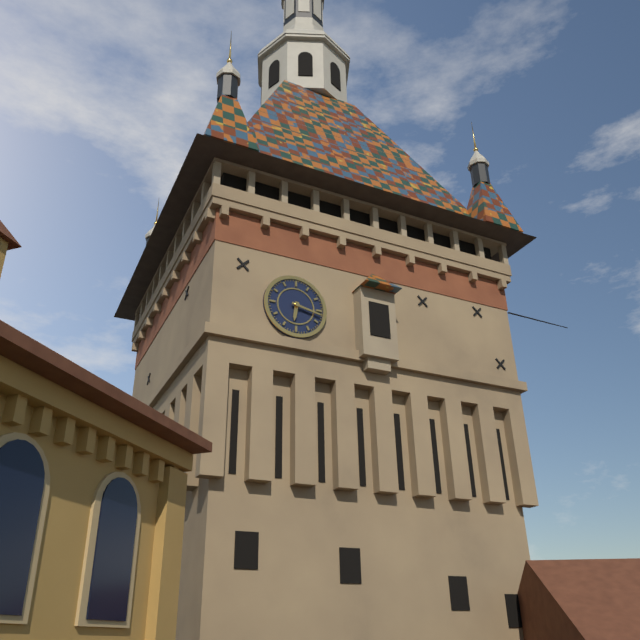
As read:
6,17
